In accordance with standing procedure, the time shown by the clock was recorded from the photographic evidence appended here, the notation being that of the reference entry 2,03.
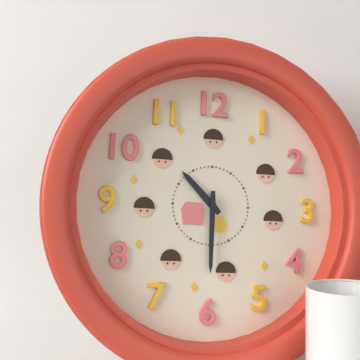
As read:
10,30
